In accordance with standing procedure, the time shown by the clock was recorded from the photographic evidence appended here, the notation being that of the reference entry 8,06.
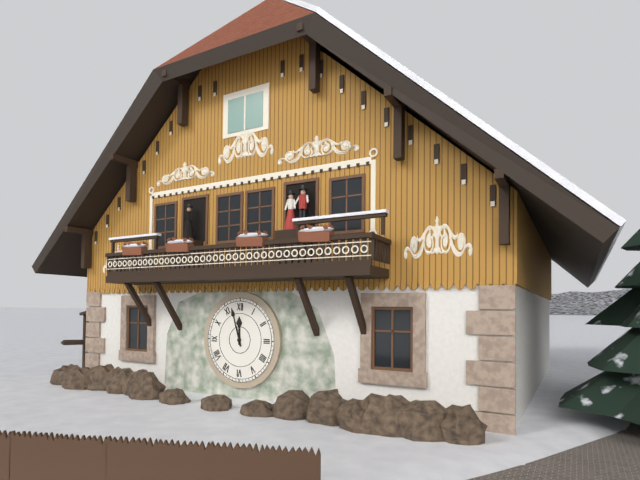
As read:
11,57
